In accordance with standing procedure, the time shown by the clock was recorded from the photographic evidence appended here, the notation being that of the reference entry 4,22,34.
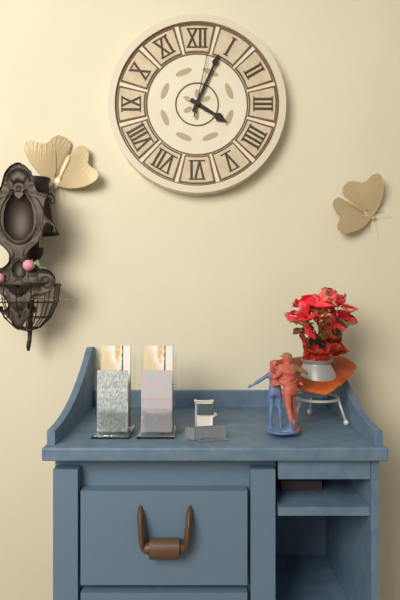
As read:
4,04,02
